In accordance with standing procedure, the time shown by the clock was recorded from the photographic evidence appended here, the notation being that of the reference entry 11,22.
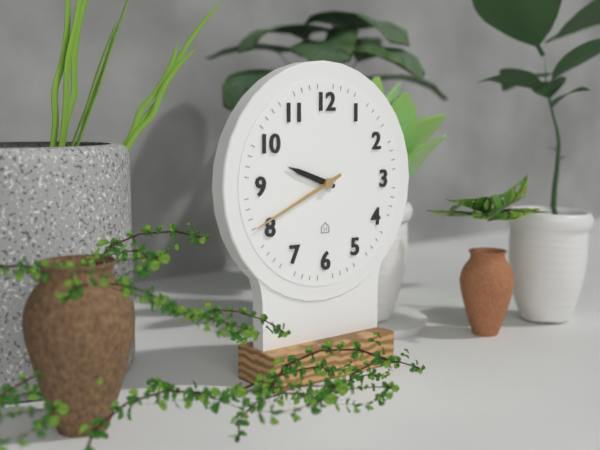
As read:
9,41
